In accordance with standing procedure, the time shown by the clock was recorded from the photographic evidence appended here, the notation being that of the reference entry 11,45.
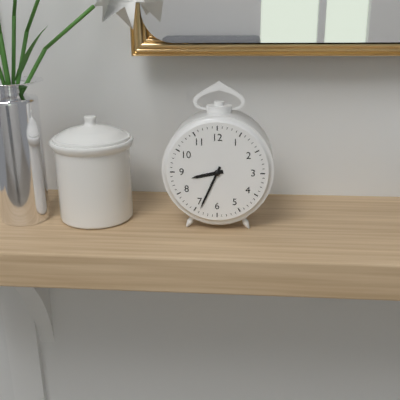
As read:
8,34
